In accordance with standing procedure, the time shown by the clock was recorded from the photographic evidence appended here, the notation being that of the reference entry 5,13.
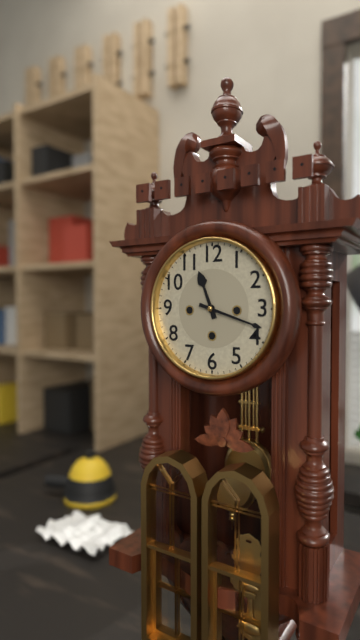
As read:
11,18
